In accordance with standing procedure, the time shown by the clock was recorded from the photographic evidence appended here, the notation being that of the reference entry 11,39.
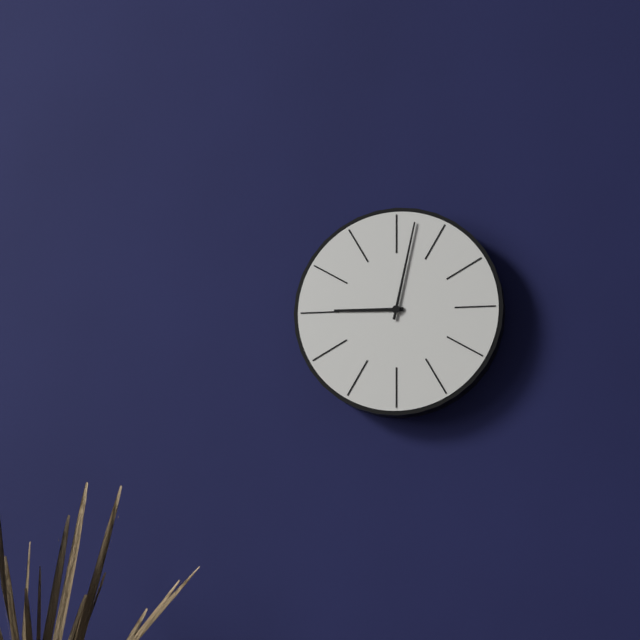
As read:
9,02
